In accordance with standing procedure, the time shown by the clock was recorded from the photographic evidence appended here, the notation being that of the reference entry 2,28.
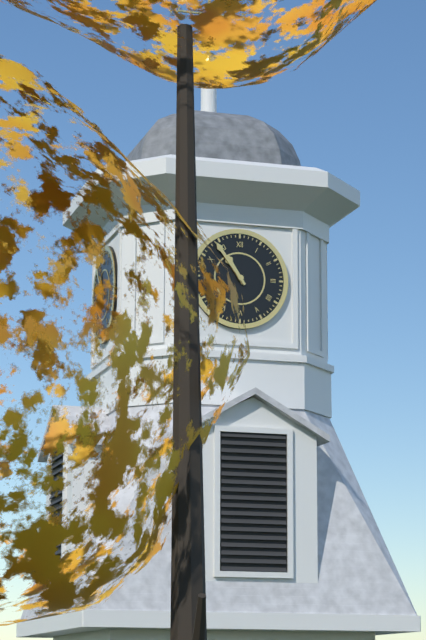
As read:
10,54
